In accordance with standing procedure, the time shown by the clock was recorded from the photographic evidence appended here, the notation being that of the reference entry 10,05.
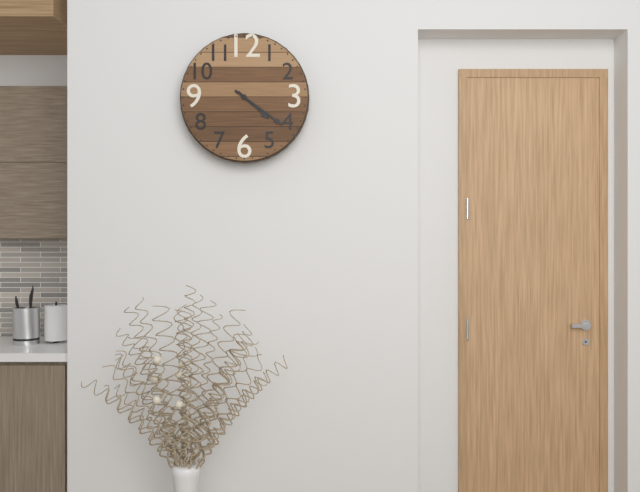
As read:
4,21
